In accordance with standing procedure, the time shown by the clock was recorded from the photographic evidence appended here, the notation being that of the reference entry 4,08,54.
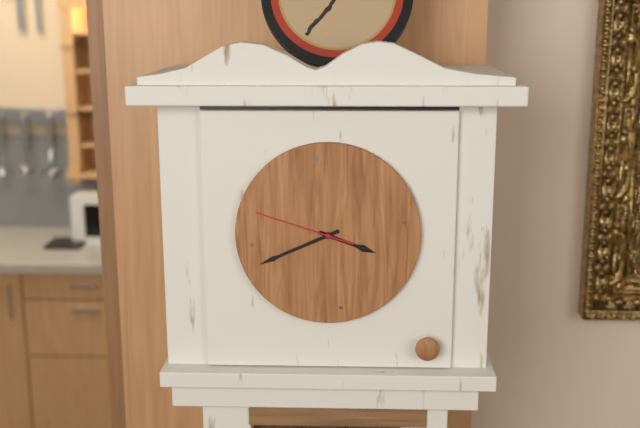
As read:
3,41,48
